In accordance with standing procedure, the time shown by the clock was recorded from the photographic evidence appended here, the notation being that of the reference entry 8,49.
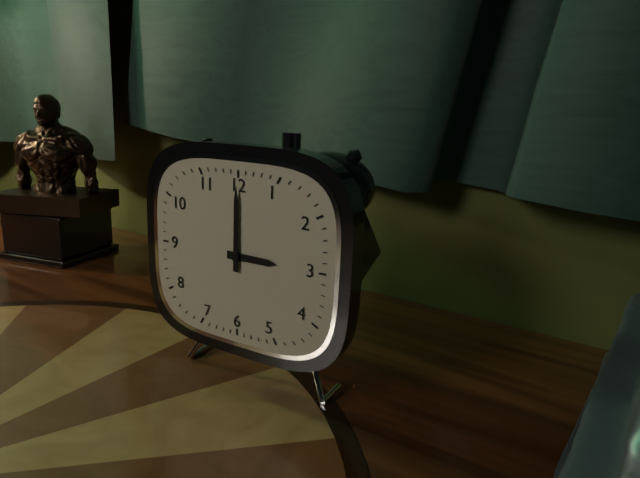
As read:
3,00
